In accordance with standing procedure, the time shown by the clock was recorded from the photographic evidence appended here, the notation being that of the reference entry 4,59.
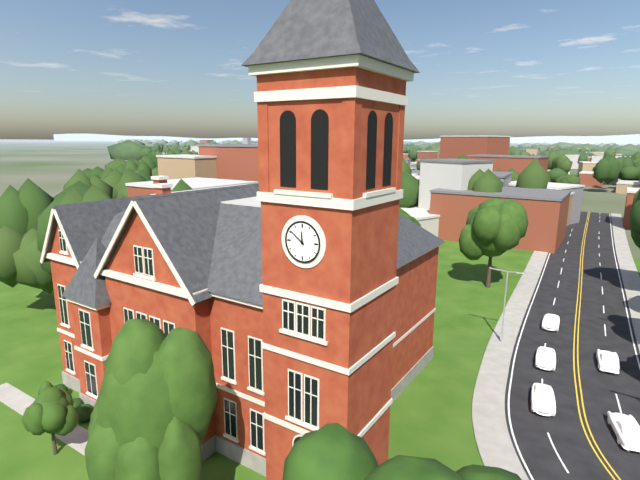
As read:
11,51
